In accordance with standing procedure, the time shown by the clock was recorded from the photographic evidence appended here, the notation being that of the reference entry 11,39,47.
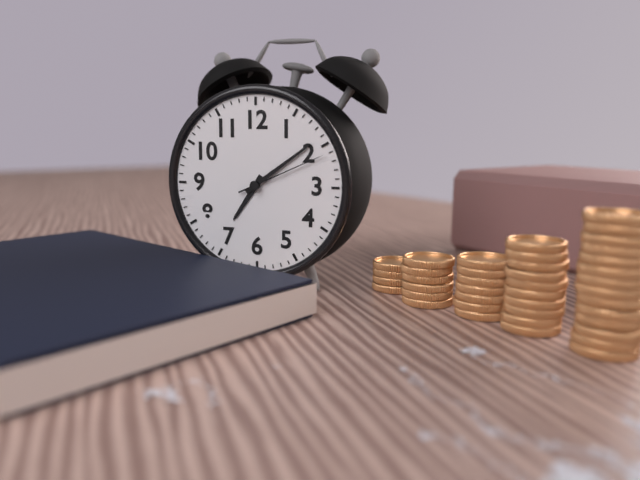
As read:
7,09,11
